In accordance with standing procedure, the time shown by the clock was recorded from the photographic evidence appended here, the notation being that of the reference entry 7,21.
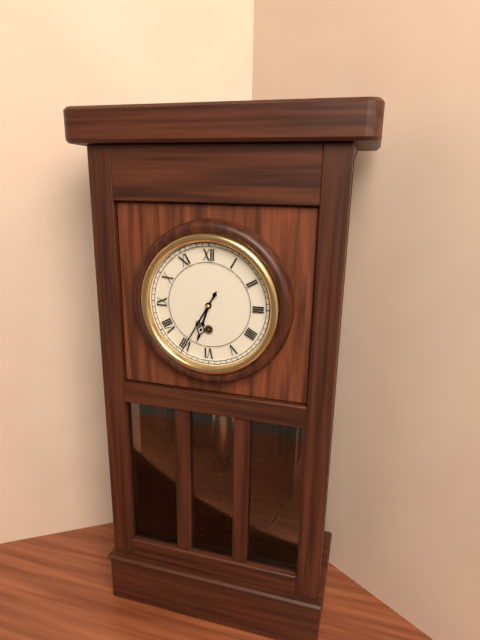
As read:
6,35
